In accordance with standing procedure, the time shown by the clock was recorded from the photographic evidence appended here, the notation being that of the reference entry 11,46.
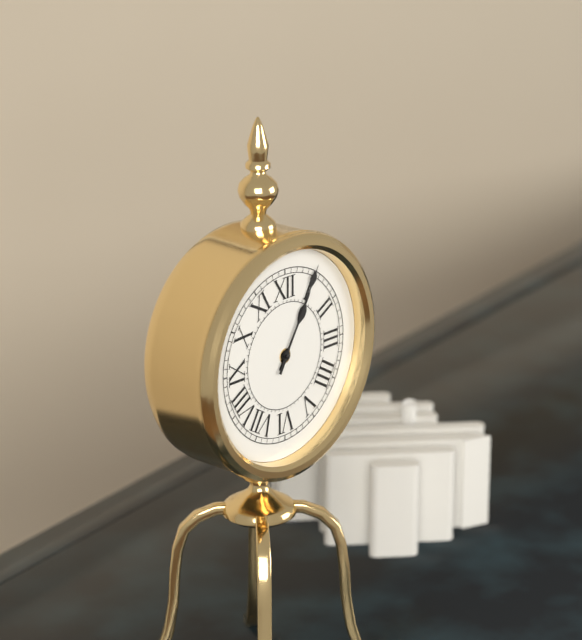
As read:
1,05
